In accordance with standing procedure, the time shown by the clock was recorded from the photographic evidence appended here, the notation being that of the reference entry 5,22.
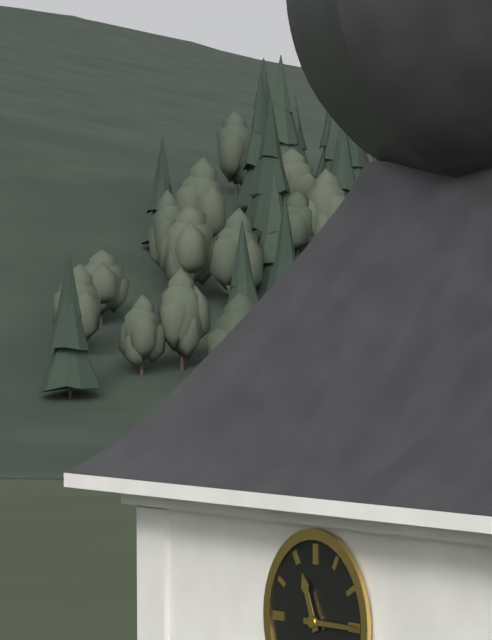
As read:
11,15
